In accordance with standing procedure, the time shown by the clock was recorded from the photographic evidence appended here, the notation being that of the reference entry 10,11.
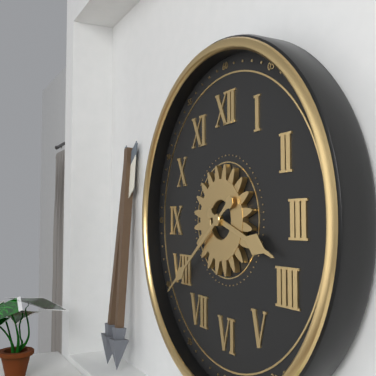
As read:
3,39
